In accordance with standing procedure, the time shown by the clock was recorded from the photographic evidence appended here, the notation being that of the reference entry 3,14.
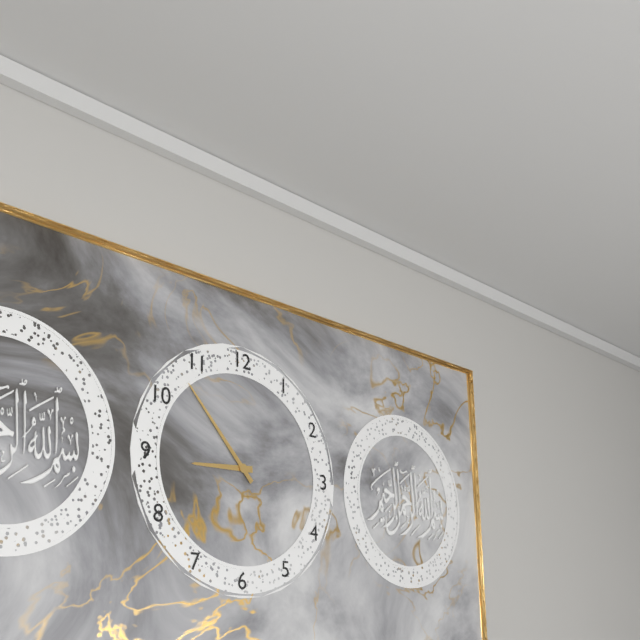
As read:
8,53
